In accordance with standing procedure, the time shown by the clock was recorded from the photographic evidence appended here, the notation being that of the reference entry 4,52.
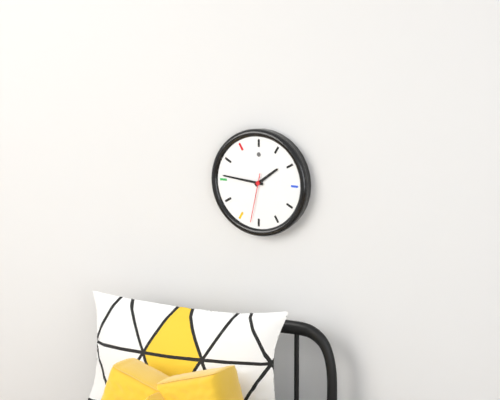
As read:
1,46
